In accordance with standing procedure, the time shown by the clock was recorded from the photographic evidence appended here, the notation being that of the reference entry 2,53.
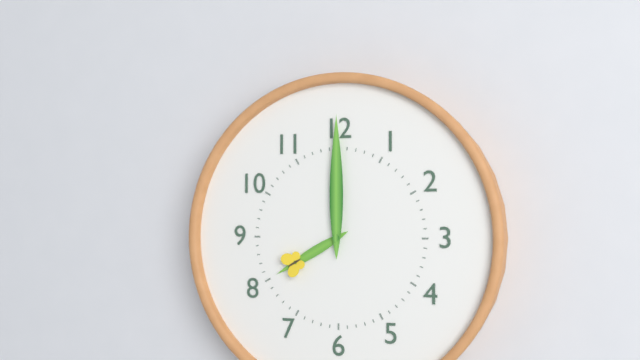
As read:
8,00
